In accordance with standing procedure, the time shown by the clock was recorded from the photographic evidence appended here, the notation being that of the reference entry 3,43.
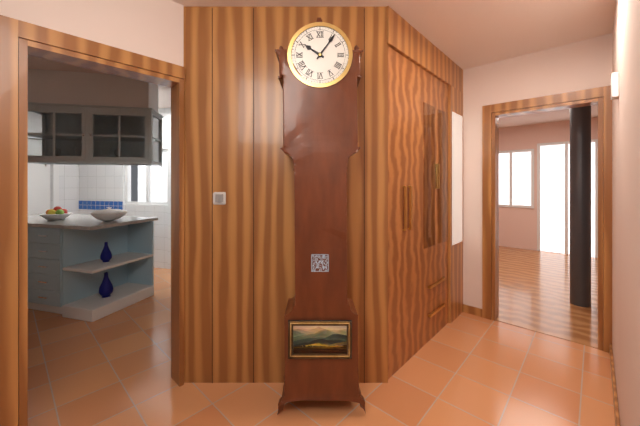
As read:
10,06
